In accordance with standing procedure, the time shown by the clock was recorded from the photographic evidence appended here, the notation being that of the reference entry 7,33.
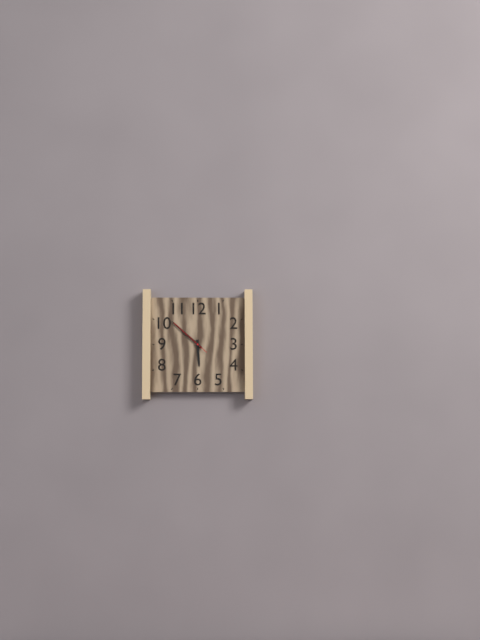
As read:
5,52
